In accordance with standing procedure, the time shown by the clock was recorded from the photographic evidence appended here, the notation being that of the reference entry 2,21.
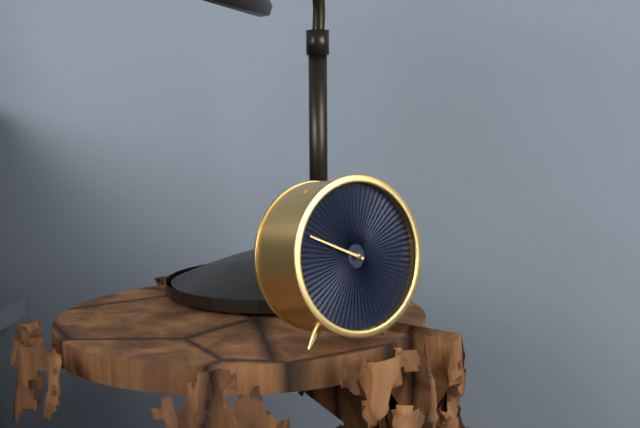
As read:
9,49
